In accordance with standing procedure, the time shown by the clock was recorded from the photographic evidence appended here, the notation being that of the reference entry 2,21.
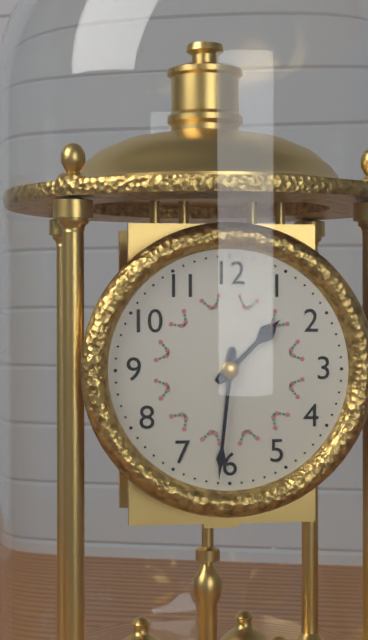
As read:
1,31
